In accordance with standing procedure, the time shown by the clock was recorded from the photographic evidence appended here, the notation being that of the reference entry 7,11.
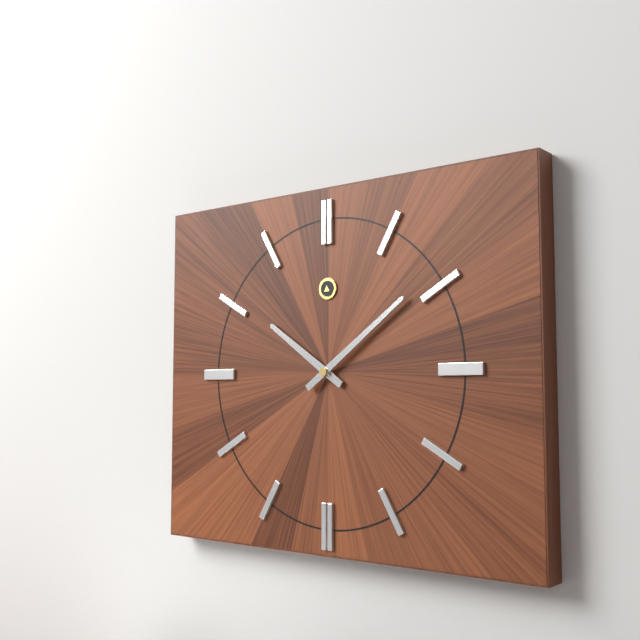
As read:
10,09
